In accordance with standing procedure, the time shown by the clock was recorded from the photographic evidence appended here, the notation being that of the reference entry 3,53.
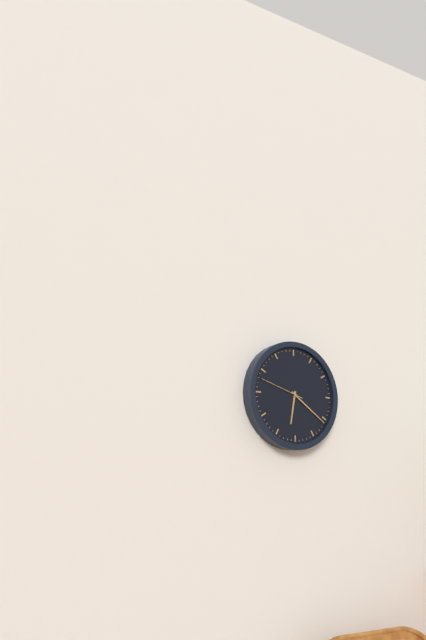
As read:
6,21
